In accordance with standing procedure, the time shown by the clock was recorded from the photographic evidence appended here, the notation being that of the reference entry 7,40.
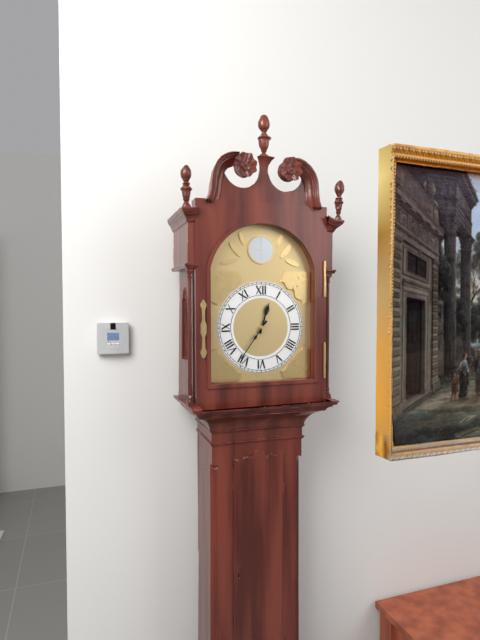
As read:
12,36
